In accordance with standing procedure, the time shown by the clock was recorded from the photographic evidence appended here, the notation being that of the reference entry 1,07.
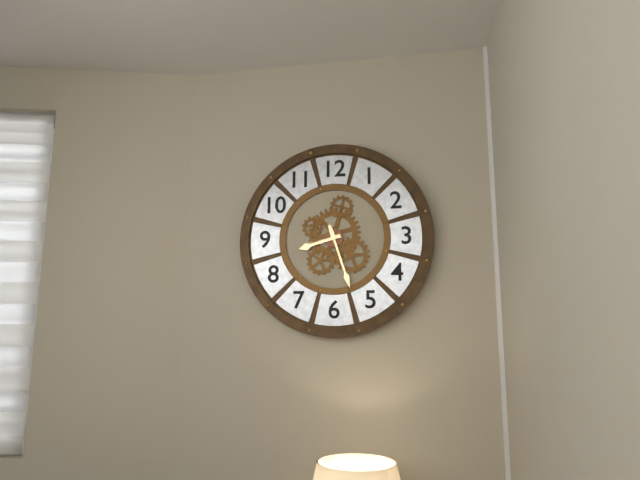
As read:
8,27
